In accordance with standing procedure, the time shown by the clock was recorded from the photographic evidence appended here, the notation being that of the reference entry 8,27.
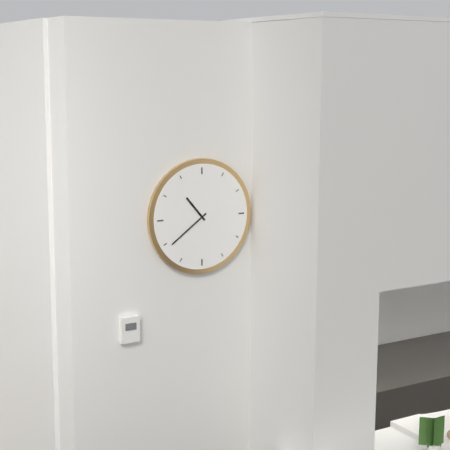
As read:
10,39
